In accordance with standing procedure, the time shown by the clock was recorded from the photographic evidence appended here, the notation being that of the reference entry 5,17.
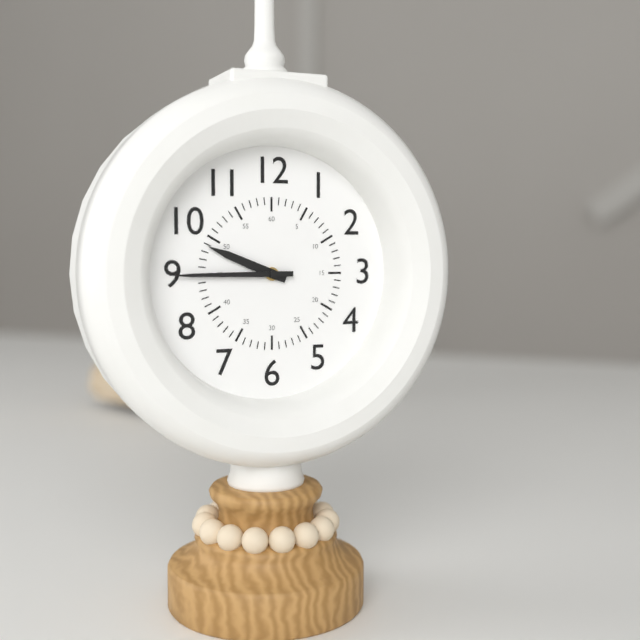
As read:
9,45
